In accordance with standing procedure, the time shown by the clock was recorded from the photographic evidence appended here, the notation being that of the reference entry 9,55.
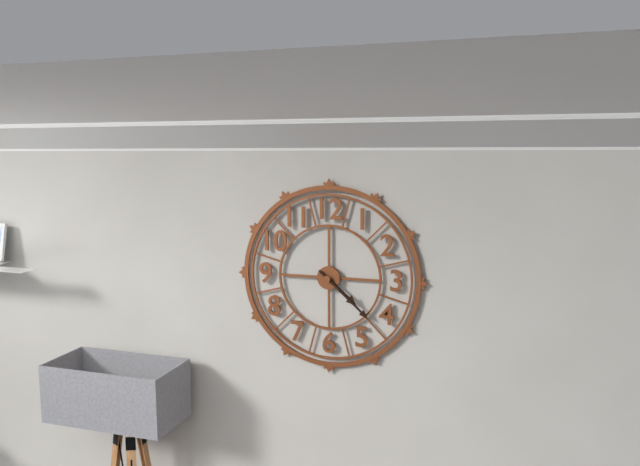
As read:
4,22
